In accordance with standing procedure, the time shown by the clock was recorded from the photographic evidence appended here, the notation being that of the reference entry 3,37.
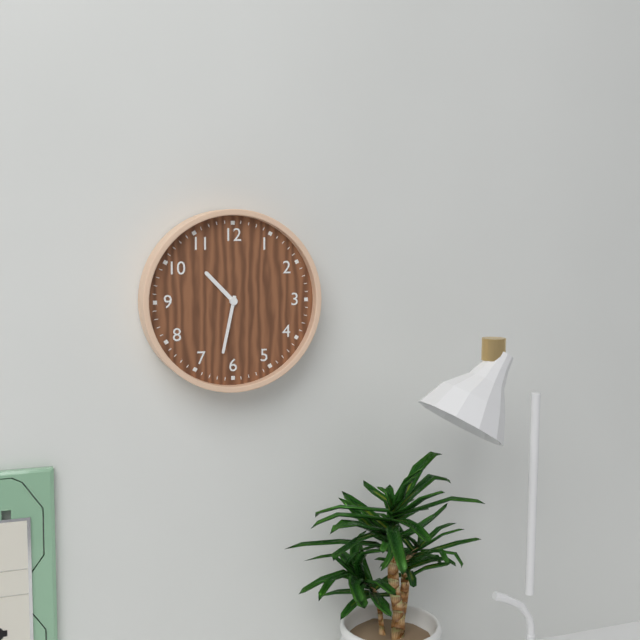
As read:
10,32
